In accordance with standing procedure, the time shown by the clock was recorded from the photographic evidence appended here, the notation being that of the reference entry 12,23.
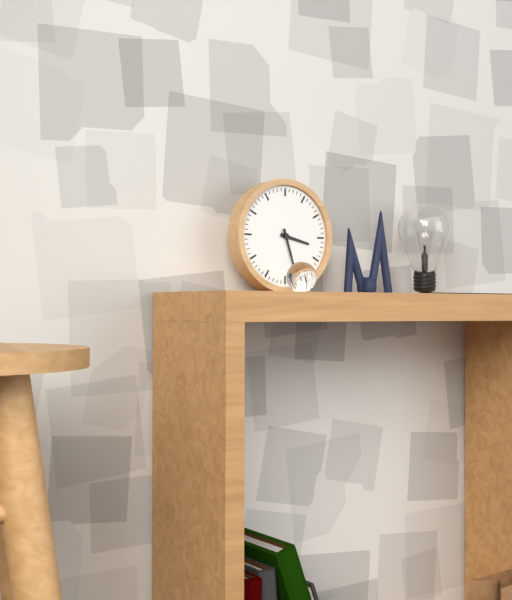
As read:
3,27
